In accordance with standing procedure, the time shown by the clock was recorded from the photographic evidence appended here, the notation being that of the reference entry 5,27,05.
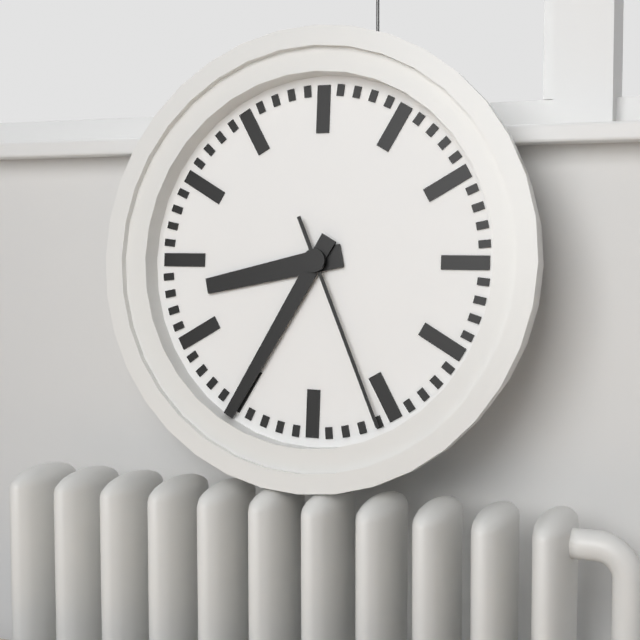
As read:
8,35,26
